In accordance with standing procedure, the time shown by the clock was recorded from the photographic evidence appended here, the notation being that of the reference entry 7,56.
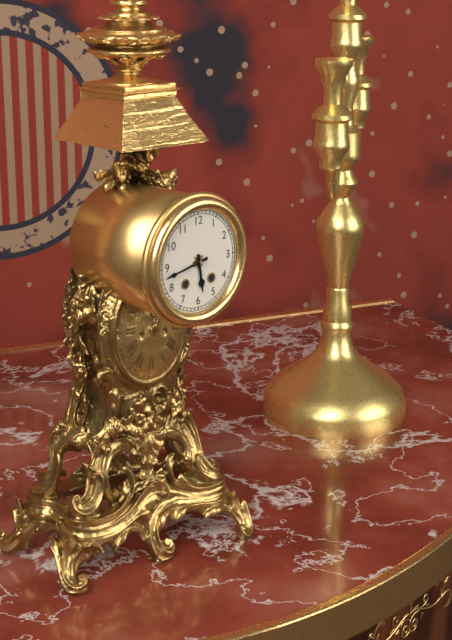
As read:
5,43
